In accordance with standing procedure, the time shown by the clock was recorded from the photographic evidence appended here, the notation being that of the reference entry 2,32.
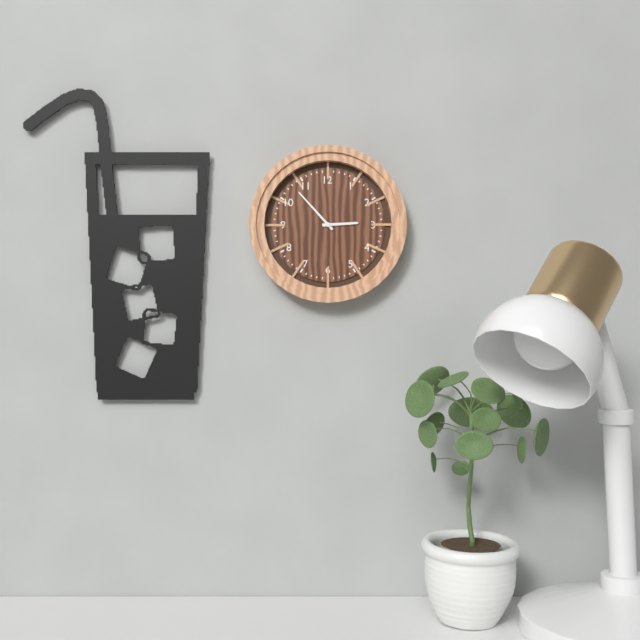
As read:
2,53
